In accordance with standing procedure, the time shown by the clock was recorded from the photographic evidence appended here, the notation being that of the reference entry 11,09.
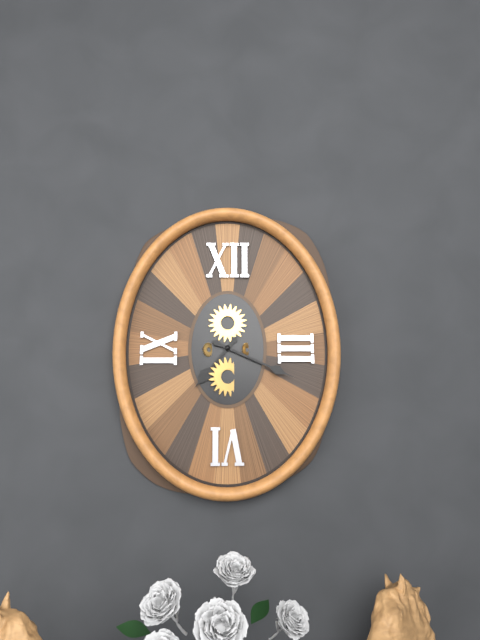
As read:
7,19
